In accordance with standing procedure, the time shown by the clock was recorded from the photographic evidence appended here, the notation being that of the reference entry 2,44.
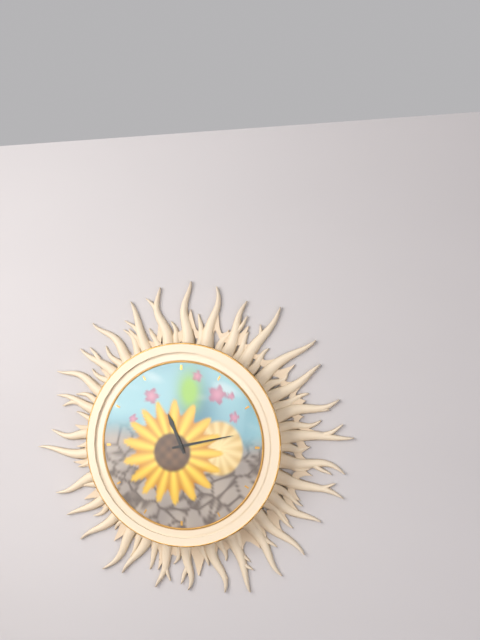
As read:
11,13
